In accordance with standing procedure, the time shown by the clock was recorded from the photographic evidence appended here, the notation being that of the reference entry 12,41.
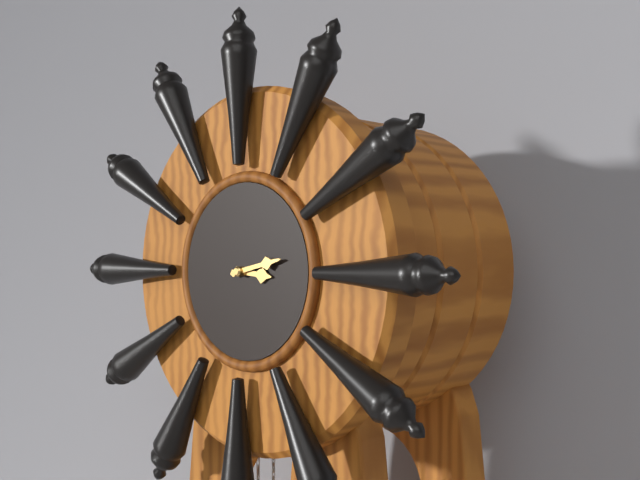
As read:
3,13
